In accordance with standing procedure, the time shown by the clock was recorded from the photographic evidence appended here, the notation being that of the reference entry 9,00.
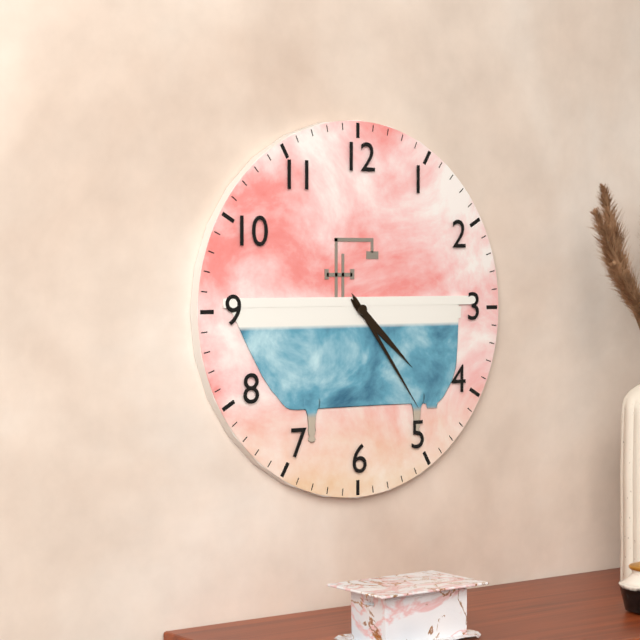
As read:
4,24
